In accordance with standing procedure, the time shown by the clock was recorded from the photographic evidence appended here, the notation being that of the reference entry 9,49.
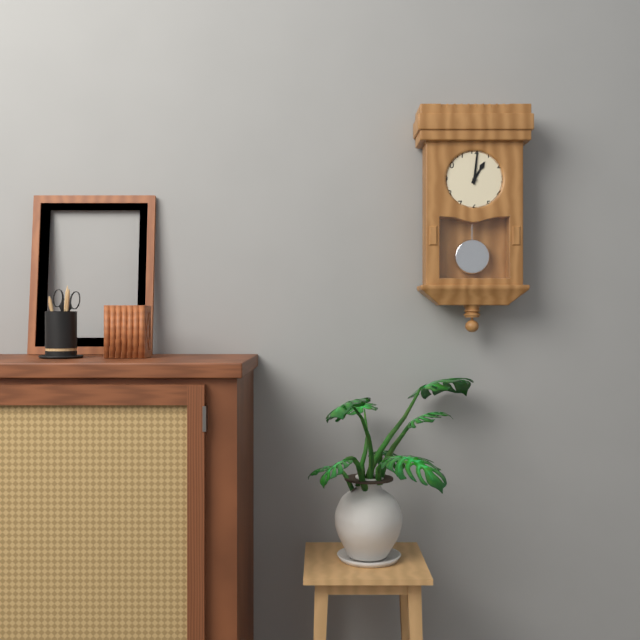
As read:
1,01
